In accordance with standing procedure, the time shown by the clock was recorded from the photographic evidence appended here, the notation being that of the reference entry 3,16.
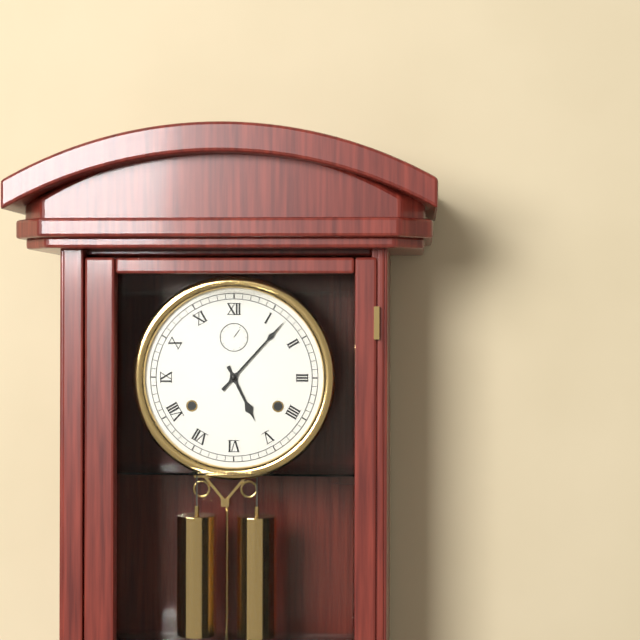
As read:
5,07
